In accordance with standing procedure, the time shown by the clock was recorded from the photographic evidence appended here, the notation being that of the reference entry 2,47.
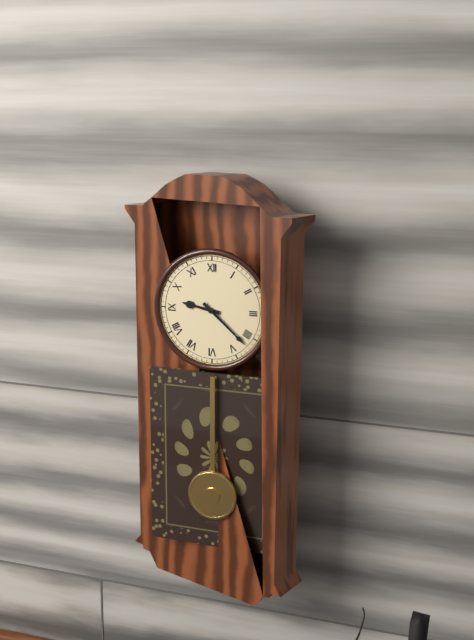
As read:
9,22
